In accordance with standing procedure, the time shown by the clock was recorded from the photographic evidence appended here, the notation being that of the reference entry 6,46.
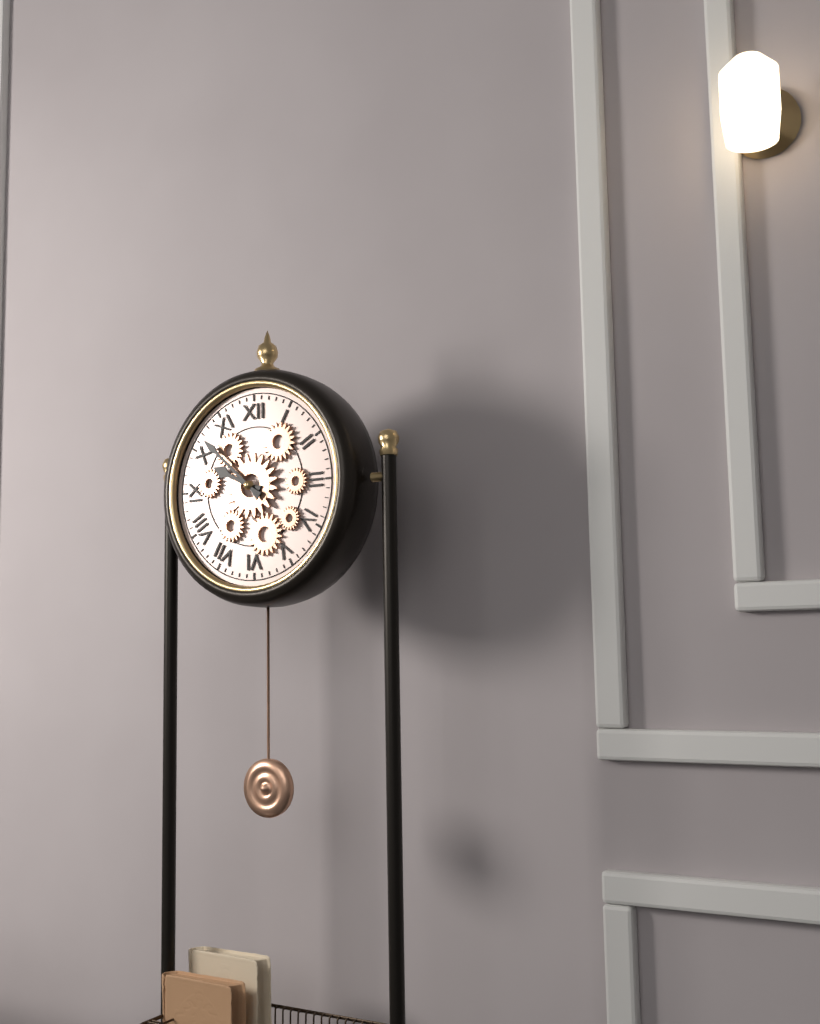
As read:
9,52
